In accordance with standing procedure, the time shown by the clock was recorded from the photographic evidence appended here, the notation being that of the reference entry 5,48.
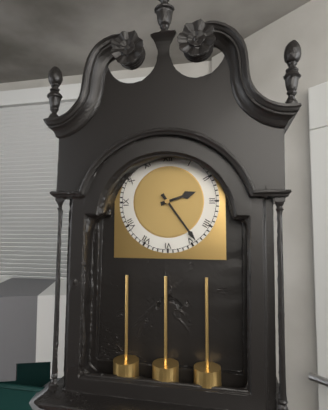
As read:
2,24
